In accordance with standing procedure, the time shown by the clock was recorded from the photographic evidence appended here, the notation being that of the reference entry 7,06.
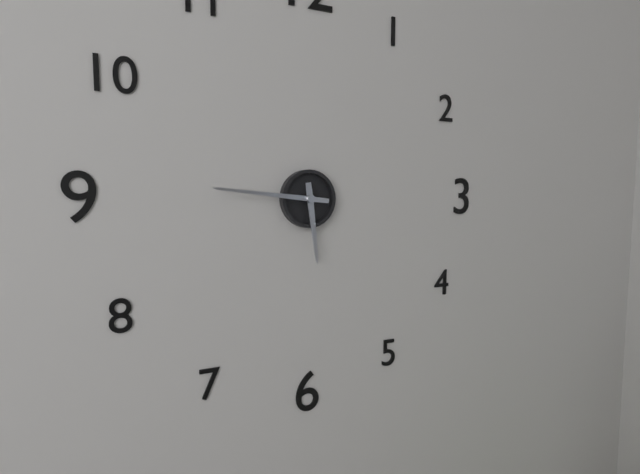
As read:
5,46
